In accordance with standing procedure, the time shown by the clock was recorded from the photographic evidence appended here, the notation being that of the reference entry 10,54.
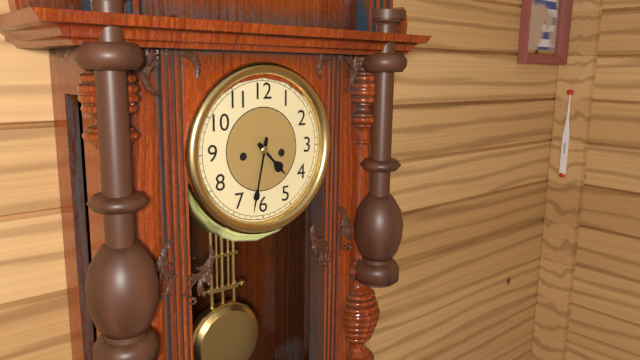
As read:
4,32
